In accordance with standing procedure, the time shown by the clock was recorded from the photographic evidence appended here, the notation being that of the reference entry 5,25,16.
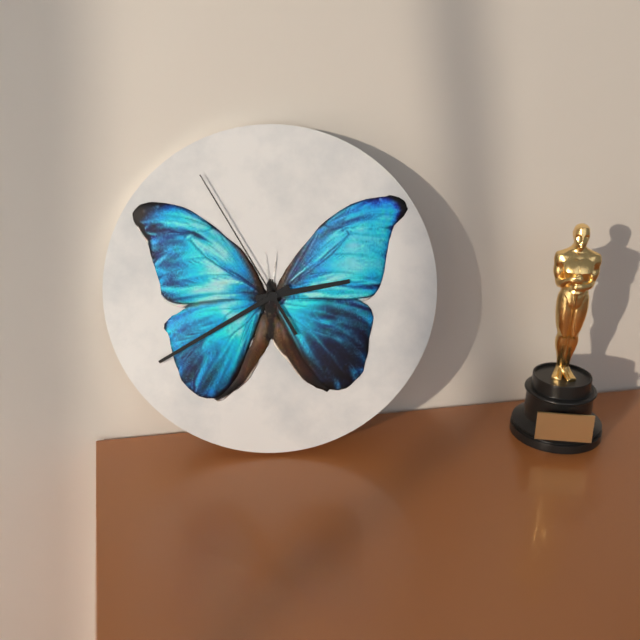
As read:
2,40,55
